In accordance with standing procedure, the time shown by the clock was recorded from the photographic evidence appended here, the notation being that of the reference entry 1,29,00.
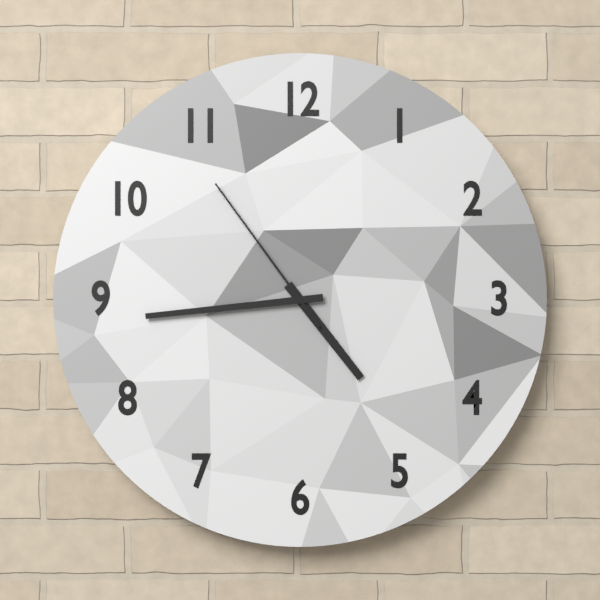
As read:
4,44,54
